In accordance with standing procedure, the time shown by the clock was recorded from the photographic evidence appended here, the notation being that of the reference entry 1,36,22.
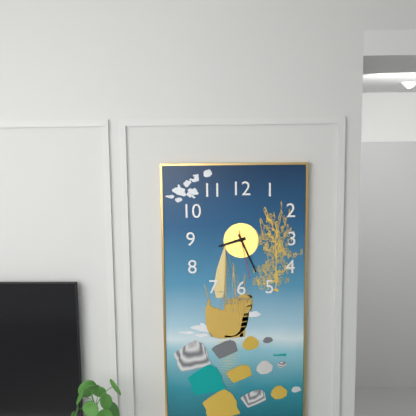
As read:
8,26,28
